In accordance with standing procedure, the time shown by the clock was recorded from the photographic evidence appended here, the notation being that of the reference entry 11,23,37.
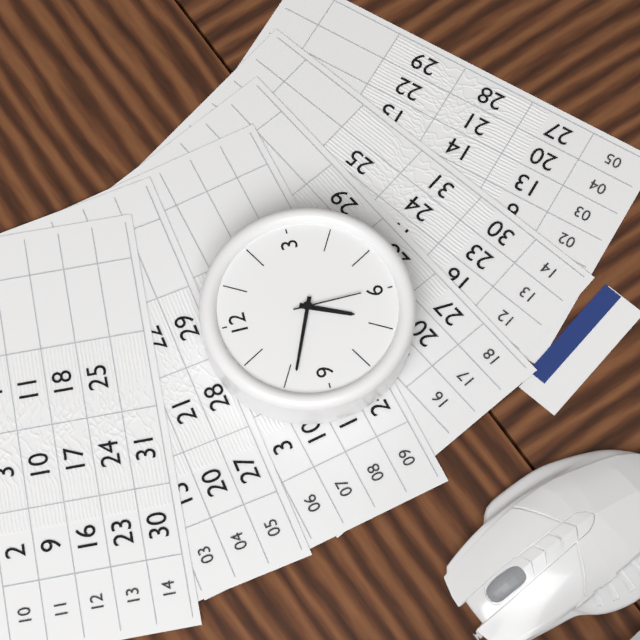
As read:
6,49,30
